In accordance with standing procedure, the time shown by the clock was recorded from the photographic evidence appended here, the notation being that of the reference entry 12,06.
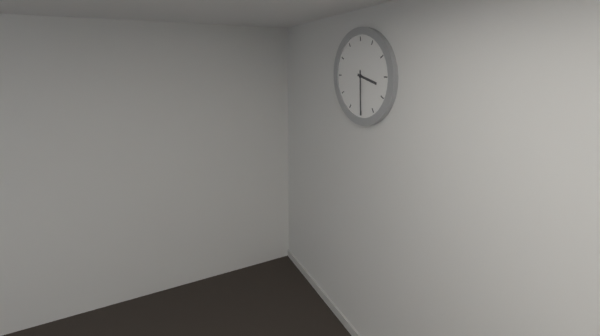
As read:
3,30
